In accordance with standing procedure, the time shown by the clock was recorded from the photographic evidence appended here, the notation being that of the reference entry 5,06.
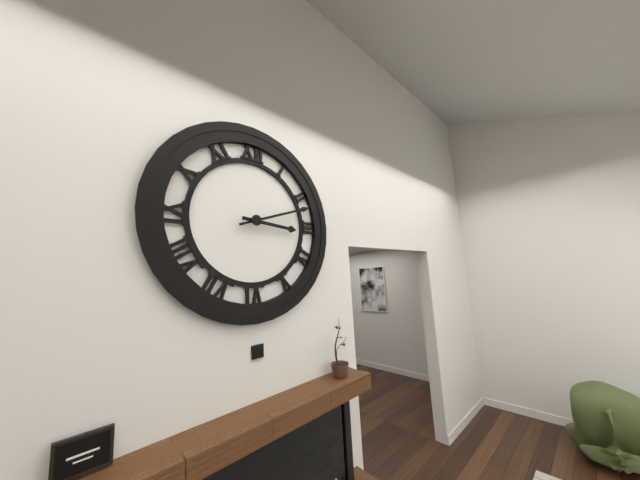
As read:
3,12
